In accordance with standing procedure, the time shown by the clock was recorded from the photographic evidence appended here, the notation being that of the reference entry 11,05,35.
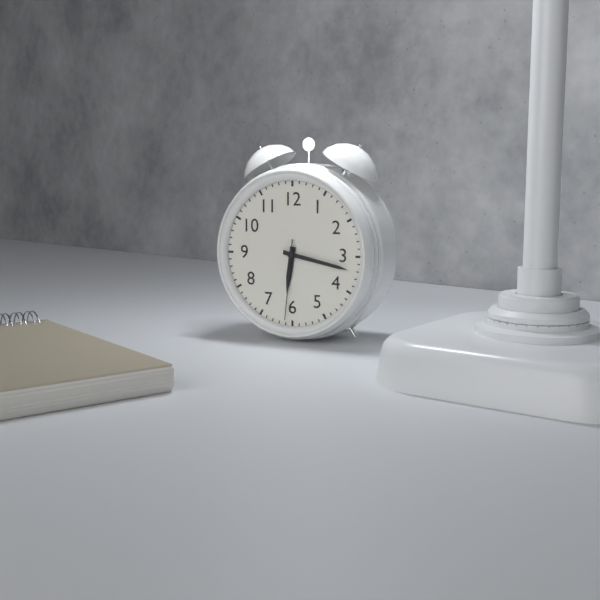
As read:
6,17,31
